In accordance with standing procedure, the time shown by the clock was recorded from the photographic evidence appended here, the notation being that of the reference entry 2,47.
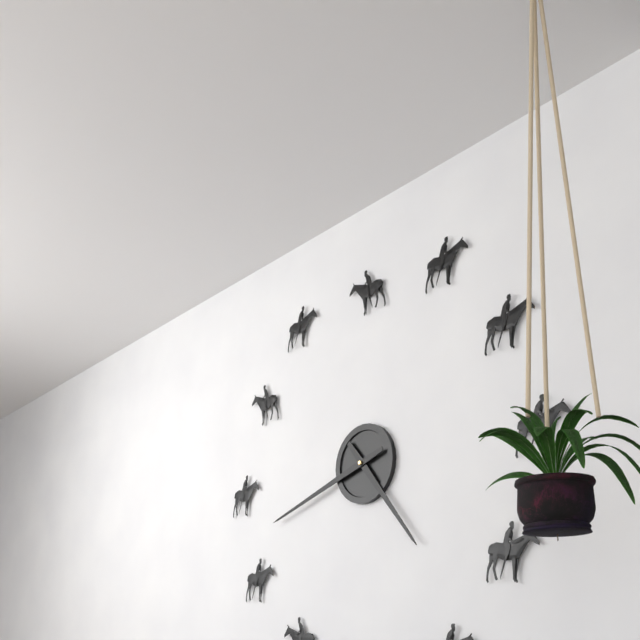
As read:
4,42
